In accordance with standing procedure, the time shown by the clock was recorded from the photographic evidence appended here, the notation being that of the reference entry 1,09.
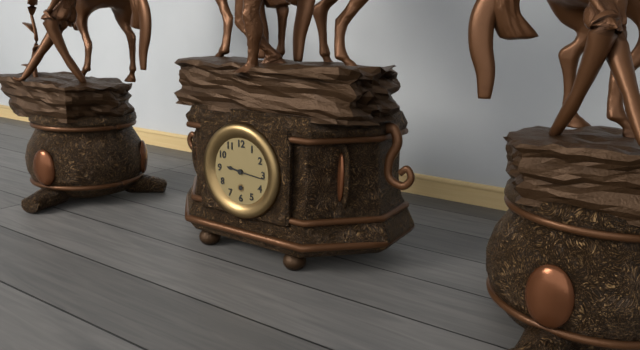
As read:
9,16
